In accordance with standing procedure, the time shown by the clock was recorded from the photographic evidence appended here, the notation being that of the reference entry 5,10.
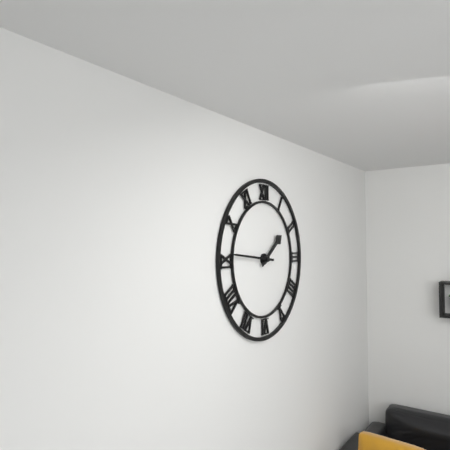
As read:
1,46
